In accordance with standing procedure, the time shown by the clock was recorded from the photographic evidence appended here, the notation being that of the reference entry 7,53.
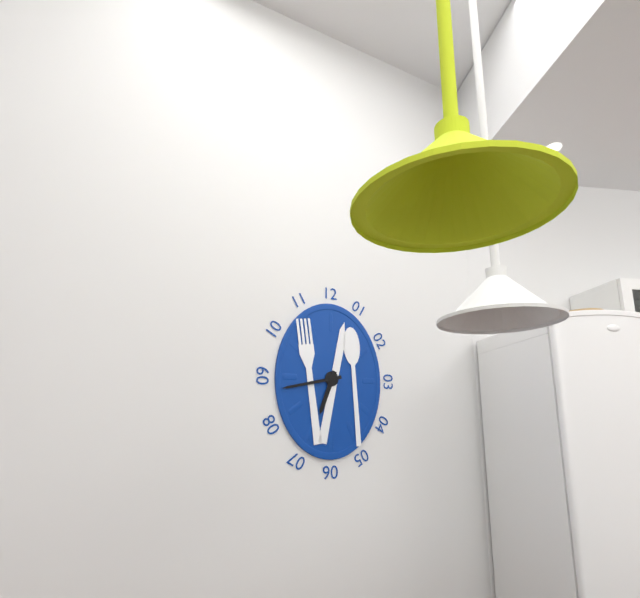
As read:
6,43
